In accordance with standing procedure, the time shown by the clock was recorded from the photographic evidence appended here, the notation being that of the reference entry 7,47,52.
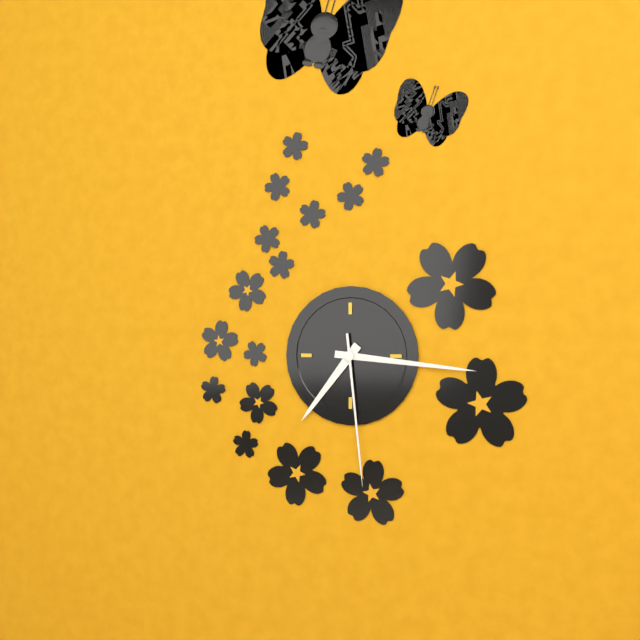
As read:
7,16,29
